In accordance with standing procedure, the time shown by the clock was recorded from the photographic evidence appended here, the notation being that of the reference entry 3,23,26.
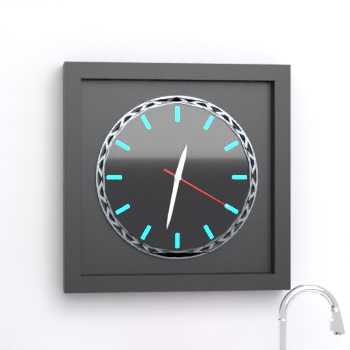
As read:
12,32,20
